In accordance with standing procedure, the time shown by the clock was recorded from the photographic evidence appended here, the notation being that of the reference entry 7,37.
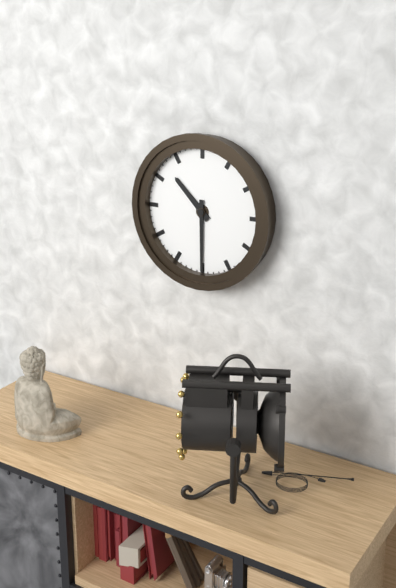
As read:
10,30
